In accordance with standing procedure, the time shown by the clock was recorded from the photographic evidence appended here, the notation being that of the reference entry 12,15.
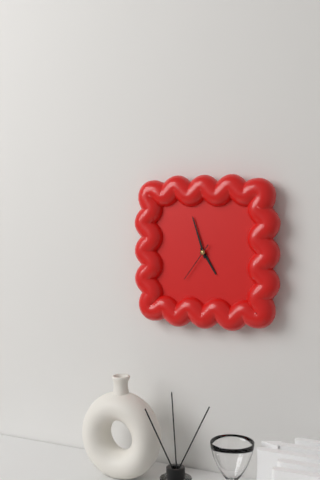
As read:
4,57
